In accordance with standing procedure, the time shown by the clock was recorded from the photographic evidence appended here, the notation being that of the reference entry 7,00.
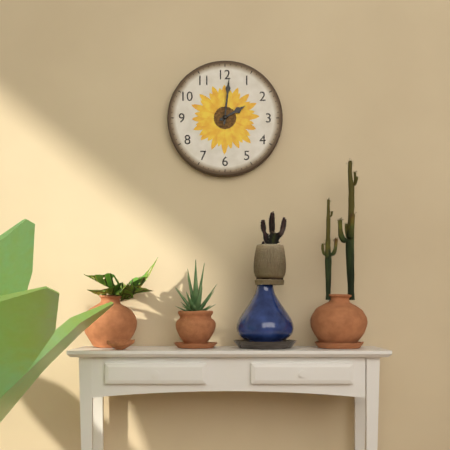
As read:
2,01
